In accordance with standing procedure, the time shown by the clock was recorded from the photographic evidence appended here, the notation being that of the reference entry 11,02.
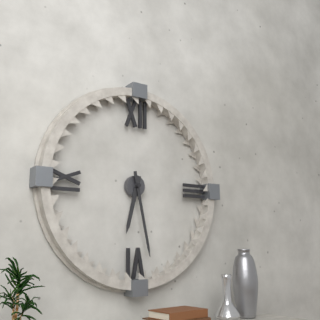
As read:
6,28
